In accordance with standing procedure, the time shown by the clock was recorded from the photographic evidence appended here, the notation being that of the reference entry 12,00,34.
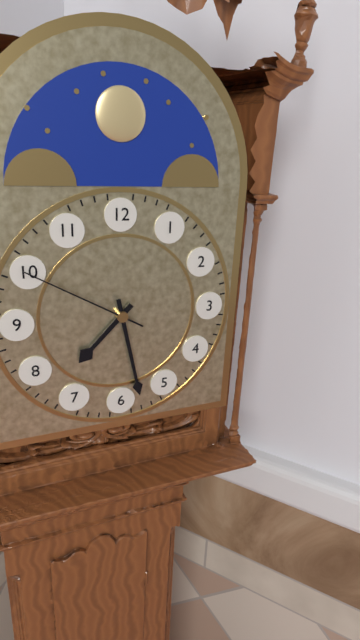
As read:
7,28,50
